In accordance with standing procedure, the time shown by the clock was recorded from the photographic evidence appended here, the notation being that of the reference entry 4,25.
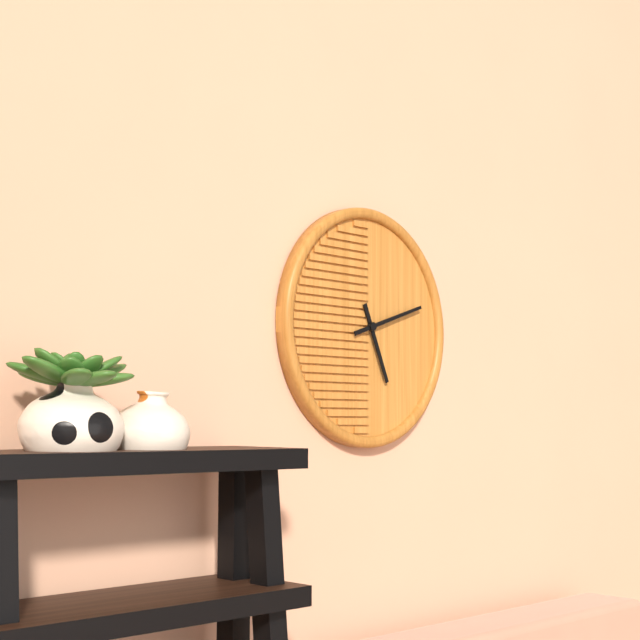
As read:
5,12
